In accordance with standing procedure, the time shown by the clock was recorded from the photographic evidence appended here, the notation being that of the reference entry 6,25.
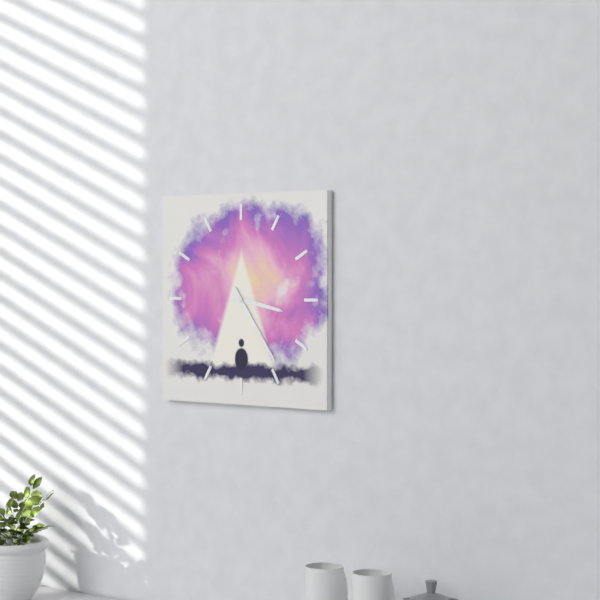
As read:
3,24
